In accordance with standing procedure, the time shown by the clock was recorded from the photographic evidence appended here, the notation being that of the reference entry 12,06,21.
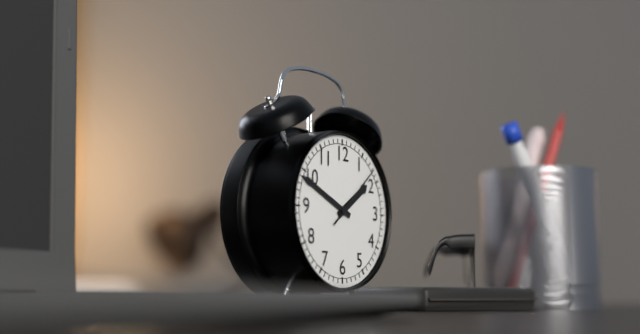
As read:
1,49,08
